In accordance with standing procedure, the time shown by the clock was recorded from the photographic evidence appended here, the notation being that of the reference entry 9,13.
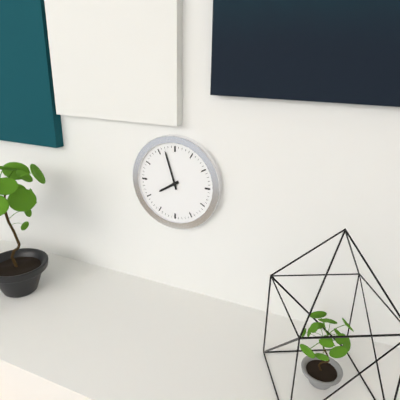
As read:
7,57
